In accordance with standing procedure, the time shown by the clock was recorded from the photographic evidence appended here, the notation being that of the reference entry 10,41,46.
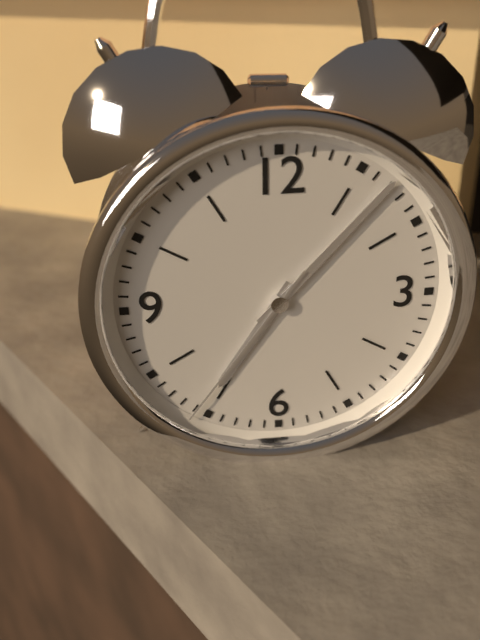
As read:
7,07,36
